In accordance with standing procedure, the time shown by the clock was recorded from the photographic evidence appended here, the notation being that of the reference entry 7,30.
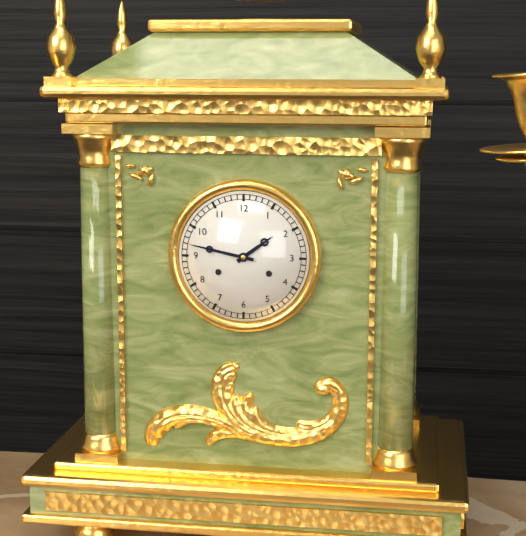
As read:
1,47
